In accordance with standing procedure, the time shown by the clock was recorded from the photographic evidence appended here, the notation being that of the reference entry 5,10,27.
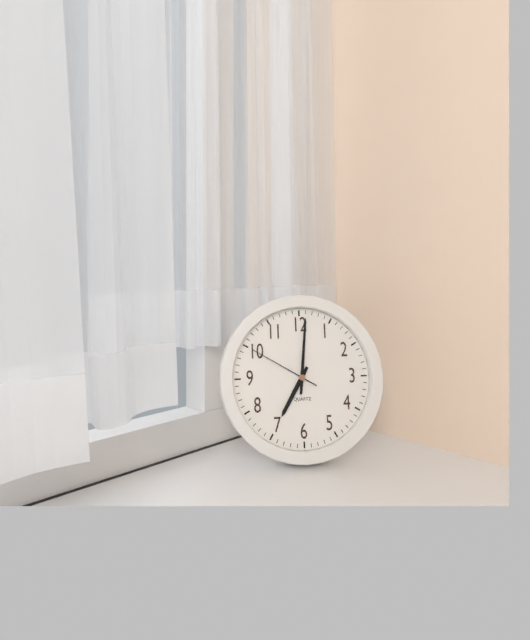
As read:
7,01,50
